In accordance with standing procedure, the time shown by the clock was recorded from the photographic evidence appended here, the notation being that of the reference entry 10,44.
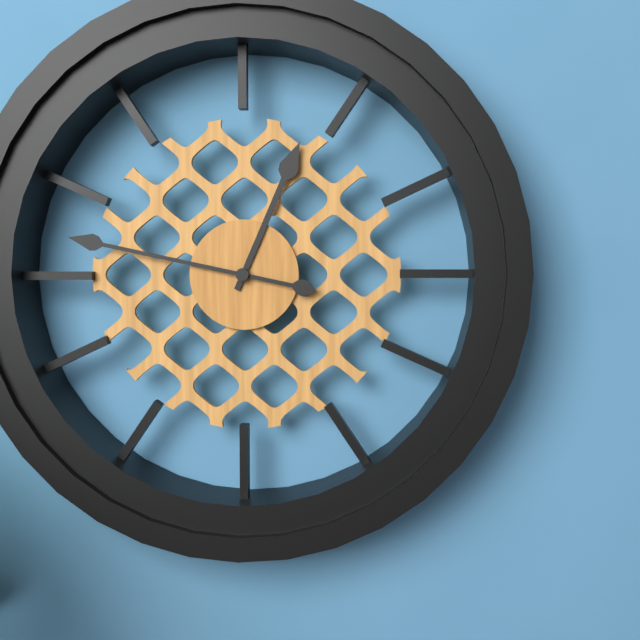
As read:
12,47
